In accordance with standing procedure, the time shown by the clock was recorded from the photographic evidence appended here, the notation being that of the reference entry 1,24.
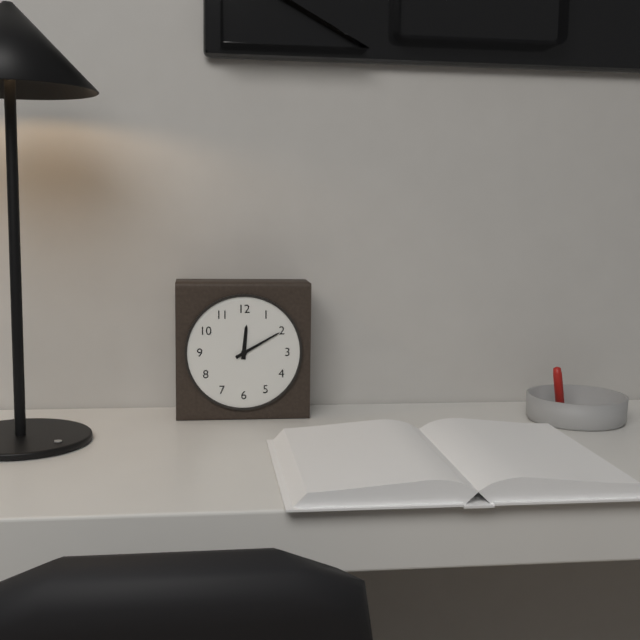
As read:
12,10
